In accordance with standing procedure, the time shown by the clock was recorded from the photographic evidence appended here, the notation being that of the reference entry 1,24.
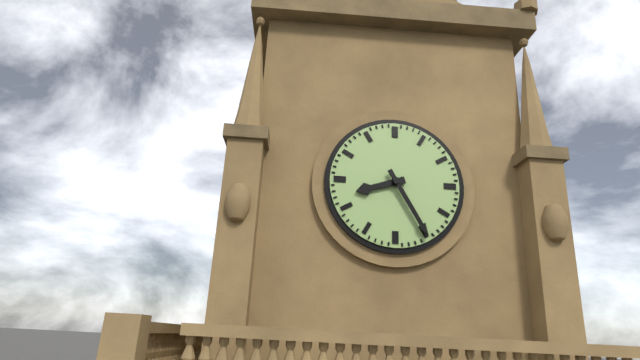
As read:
8,25
